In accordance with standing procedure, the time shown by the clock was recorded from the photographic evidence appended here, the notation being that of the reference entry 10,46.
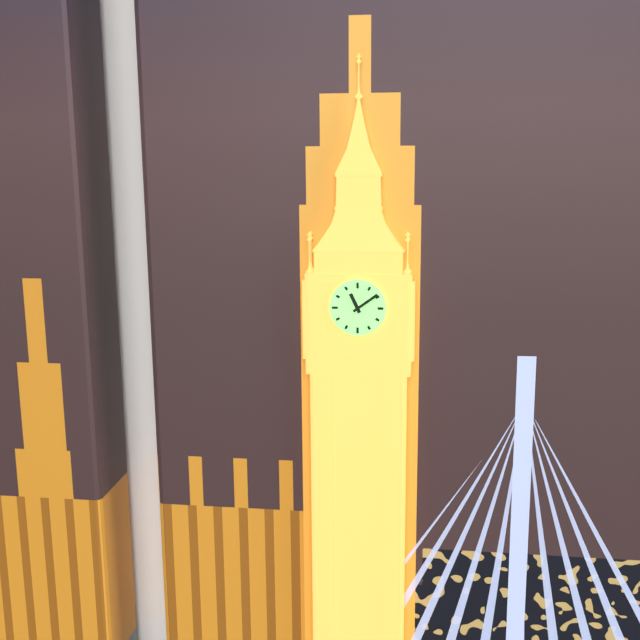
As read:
11,09
